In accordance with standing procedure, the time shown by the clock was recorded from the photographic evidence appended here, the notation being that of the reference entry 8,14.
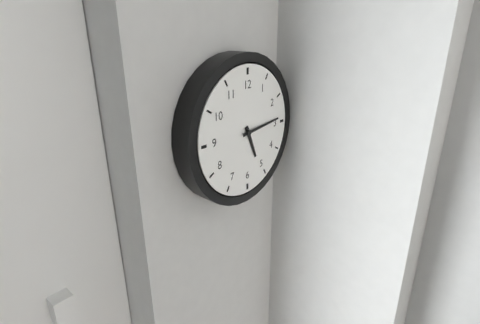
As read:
5,14
